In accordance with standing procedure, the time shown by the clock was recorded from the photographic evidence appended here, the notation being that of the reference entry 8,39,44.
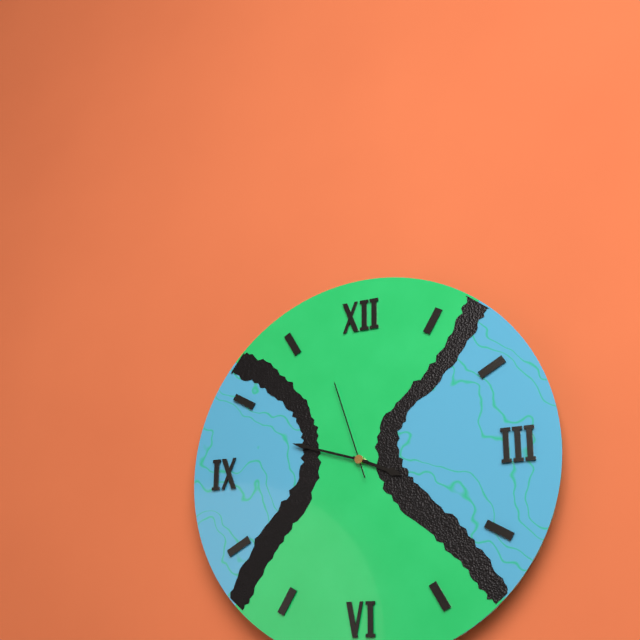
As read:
3,48,57
